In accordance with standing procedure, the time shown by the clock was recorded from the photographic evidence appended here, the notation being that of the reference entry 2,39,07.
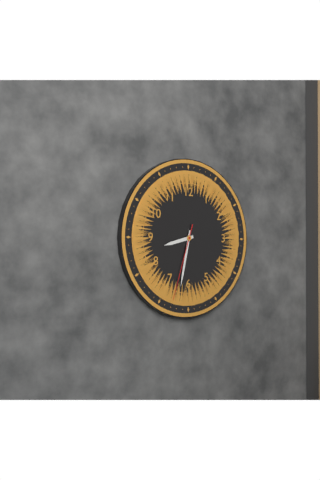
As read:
8,32,33
